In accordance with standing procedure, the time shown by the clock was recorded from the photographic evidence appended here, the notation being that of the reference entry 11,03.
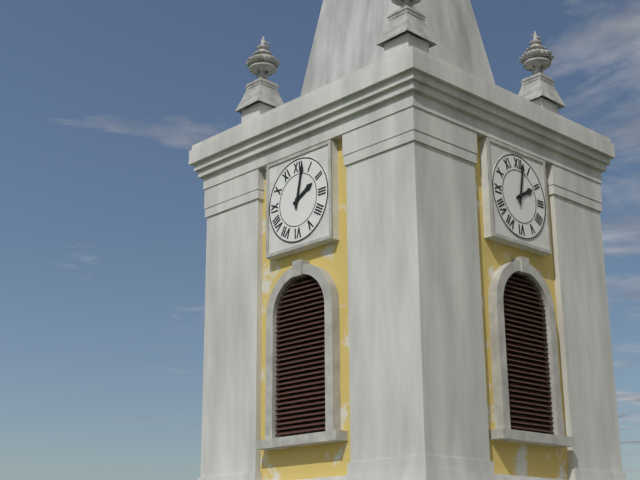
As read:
2,02
